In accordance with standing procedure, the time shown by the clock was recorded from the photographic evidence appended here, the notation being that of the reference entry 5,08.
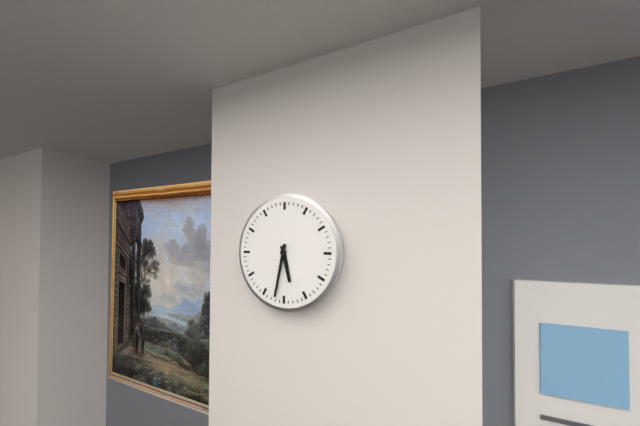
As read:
5,32
